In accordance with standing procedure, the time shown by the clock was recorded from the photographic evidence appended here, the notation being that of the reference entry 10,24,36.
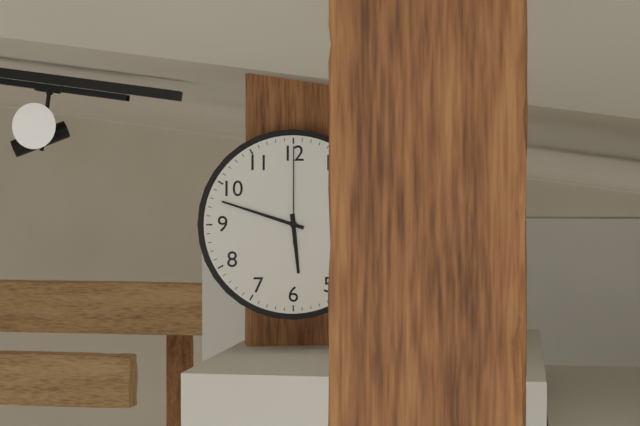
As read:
5,48,00
